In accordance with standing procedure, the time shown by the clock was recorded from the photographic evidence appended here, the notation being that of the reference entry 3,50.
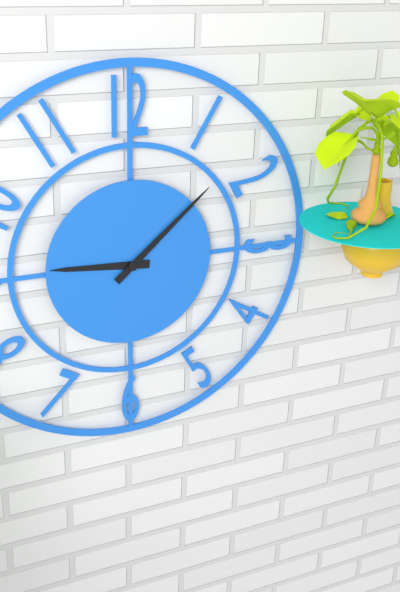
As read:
9,08
